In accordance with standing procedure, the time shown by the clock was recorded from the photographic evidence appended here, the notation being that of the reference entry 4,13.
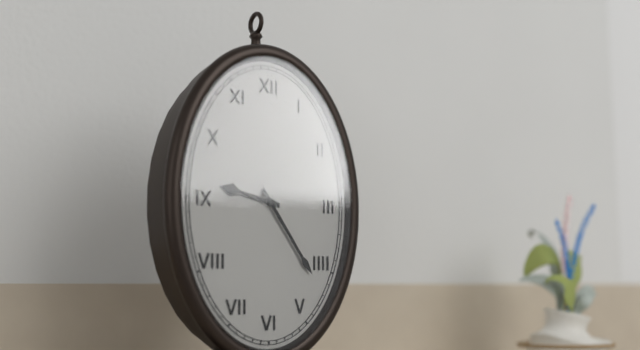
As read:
9,24
